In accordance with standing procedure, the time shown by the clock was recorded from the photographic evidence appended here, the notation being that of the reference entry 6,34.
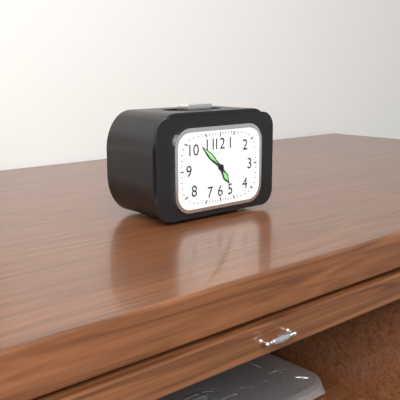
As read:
4,52
